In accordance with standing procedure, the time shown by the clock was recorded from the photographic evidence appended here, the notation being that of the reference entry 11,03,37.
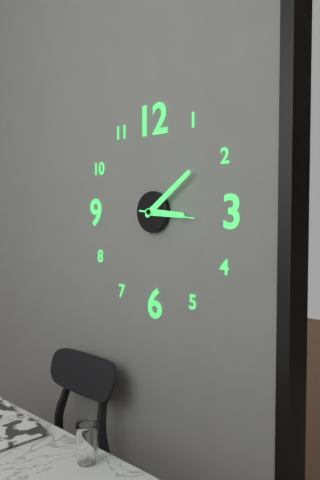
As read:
3,09,16
